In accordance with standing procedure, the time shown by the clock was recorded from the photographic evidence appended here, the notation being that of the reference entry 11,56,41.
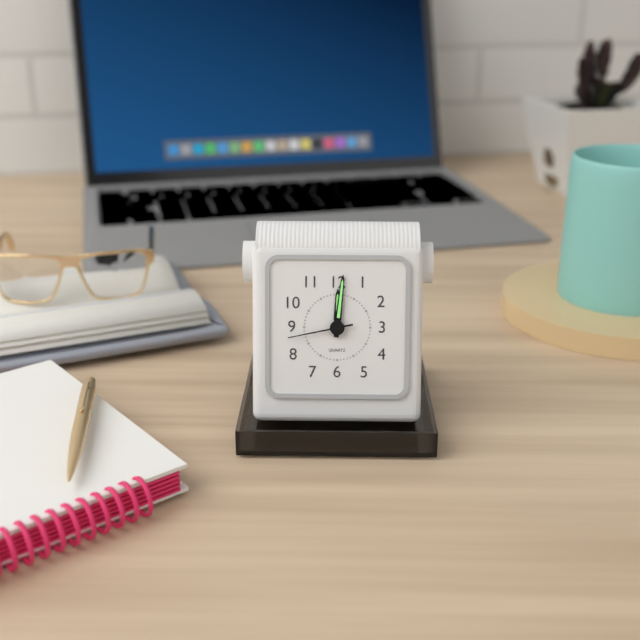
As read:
12,01,43
